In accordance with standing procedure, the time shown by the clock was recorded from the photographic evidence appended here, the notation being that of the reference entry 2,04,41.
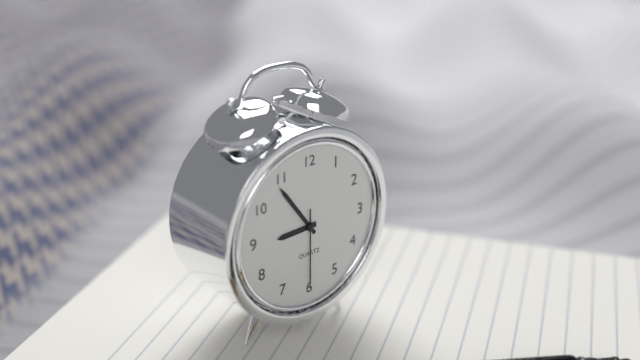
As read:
8,54,30
